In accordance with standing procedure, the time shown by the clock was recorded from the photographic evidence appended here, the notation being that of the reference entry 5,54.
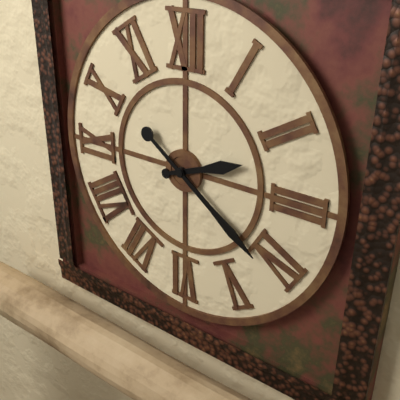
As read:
2,21
